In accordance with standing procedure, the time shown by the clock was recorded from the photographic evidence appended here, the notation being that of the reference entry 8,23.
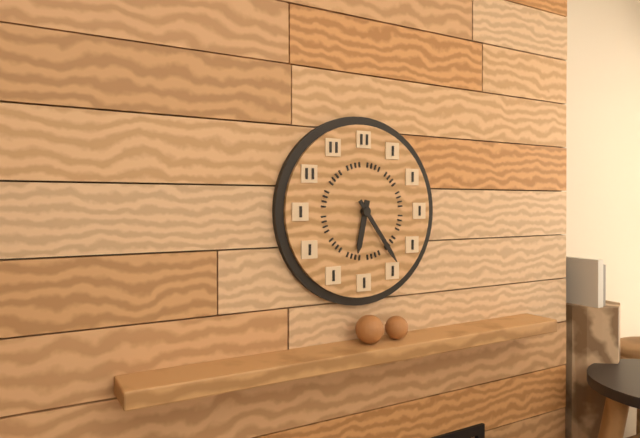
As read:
6,24
